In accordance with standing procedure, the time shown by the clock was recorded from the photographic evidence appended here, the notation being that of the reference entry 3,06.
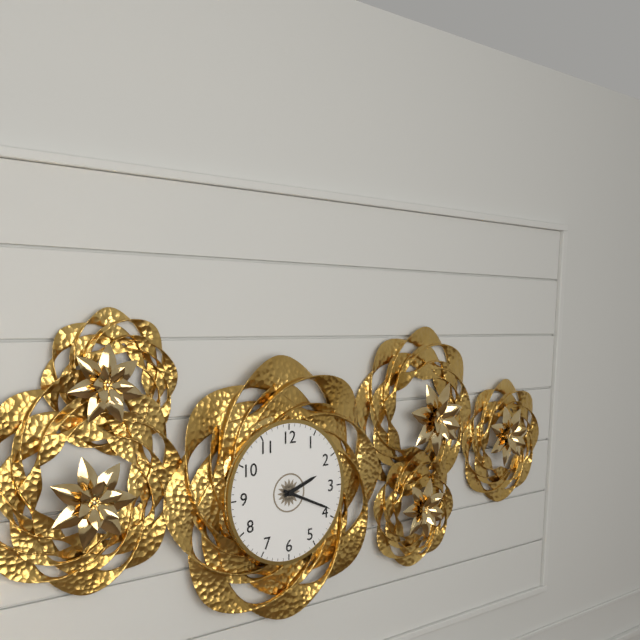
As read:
2,19
